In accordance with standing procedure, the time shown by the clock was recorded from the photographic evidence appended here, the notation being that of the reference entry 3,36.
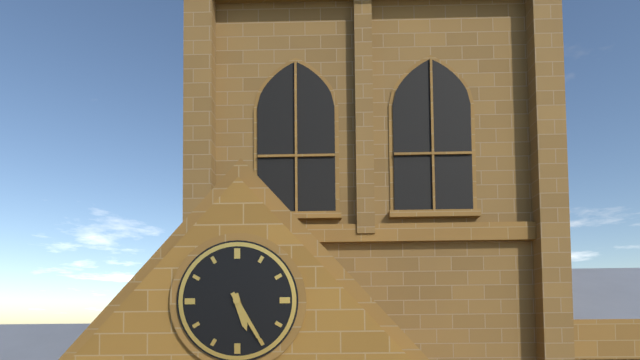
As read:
5,25
